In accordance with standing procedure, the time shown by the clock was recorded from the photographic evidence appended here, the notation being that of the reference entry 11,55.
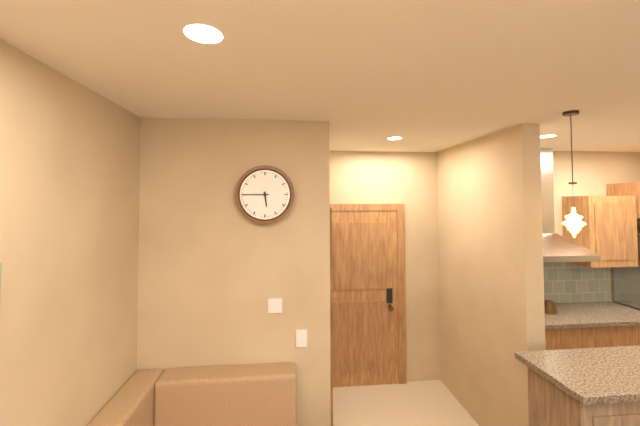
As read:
5,45
